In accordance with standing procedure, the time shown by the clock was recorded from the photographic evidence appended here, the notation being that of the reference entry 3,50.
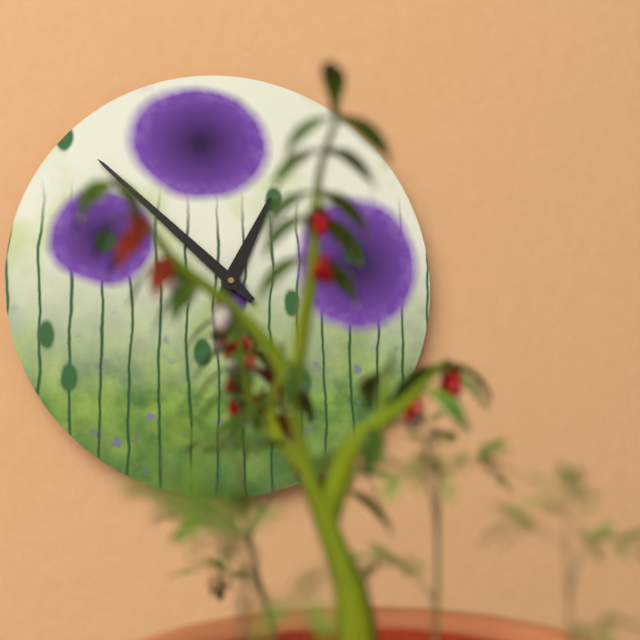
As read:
12,52
